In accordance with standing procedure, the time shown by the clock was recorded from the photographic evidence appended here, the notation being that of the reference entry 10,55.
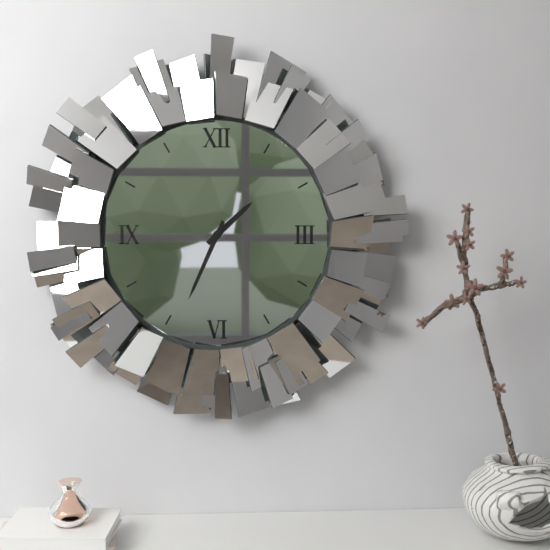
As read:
1,34
